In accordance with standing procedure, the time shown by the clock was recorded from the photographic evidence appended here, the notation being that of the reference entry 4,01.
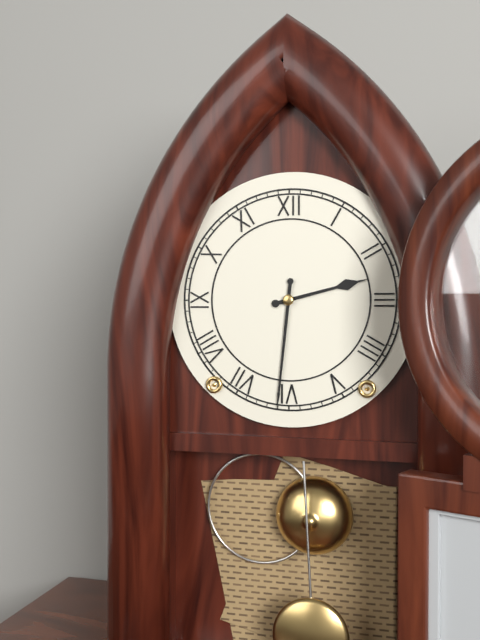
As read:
2,31
